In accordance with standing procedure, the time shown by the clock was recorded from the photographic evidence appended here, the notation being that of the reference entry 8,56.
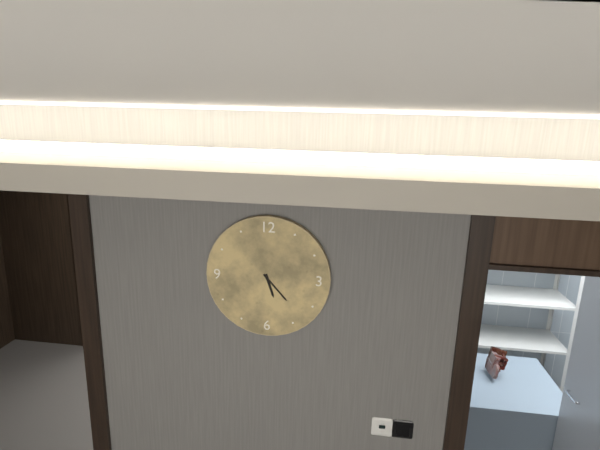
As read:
5,23
